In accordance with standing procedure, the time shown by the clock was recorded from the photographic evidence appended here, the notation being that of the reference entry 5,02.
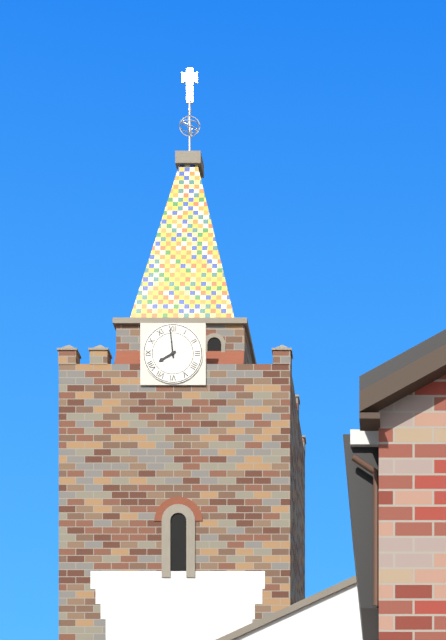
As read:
7,59
